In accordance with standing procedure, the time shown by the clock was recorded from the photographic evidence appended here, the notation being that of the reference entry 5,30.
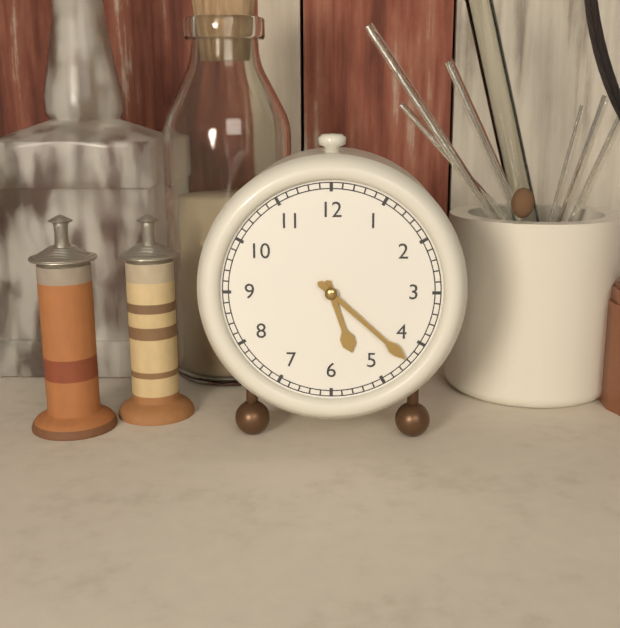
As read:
5,22
